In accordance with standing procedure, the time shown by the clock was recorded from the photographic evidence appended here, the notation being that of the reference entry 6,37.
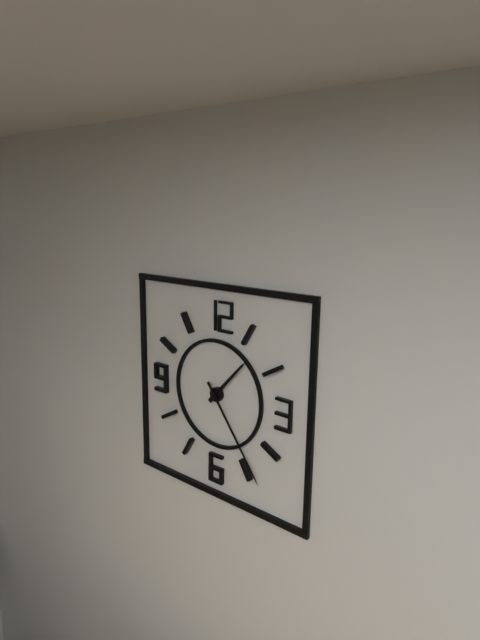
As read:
1,24
